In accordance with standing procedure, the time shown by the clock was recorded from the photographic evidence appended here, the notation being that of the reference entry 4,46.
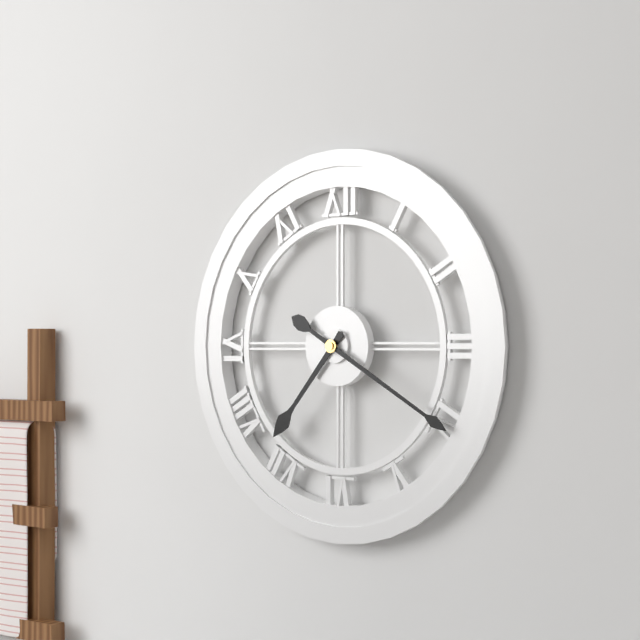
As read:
7,20
